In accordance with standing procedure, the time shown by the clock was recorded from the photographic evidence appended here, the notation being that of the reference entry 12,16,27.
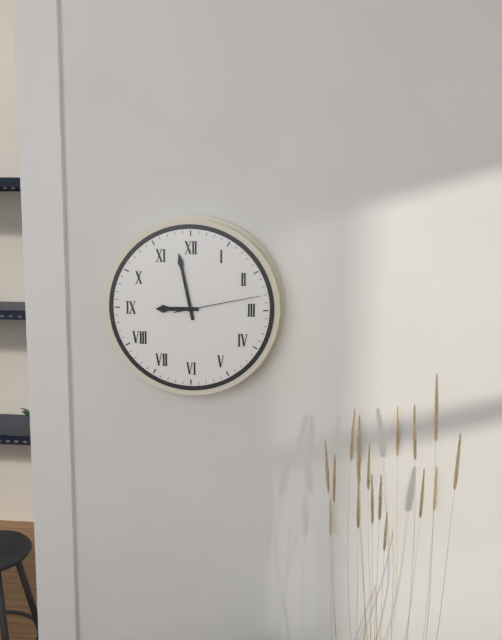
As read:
8,58,13
